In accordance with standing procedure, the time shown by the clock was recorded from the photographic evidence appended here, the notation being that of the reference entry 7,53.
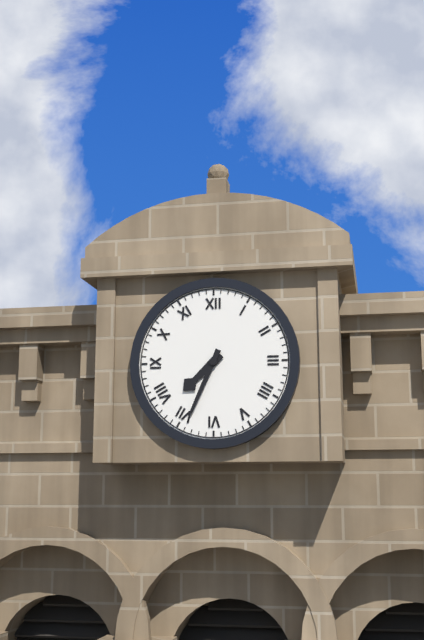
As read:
7,34
